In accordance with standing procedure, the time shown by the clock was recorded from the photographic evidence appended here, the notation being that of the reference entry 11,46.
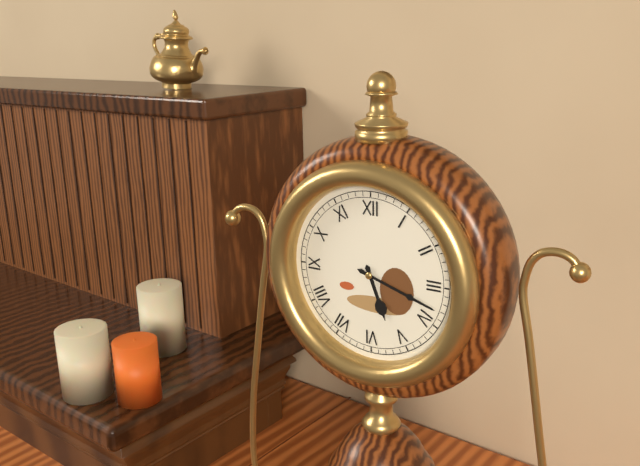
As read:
5,18
